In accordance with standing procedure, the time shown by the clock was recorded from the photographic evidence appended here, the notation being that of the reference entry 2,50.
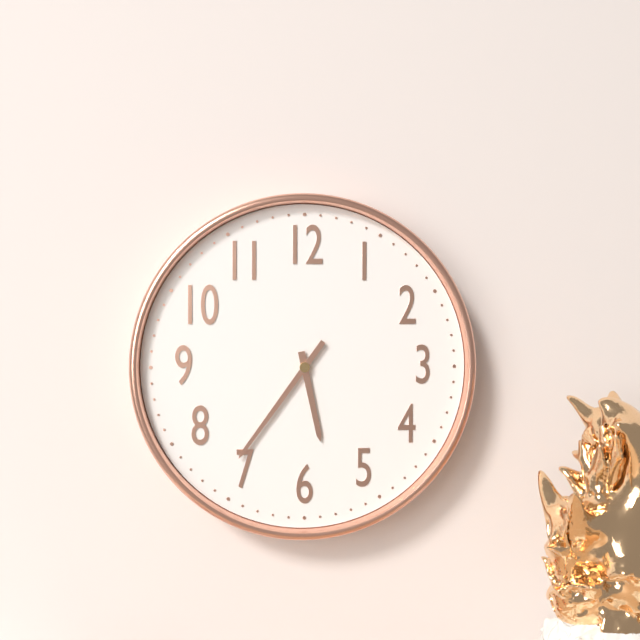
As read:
5,36
